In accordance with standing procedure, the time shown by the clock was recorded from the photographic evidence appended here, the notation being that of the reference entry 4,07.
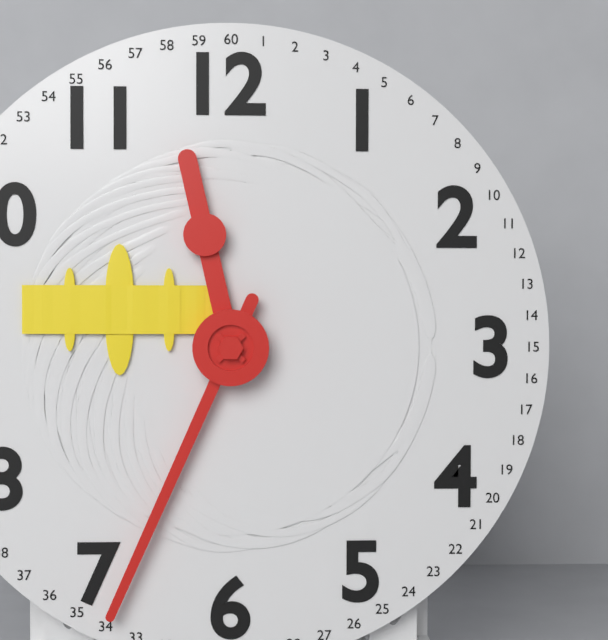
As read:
11,34
